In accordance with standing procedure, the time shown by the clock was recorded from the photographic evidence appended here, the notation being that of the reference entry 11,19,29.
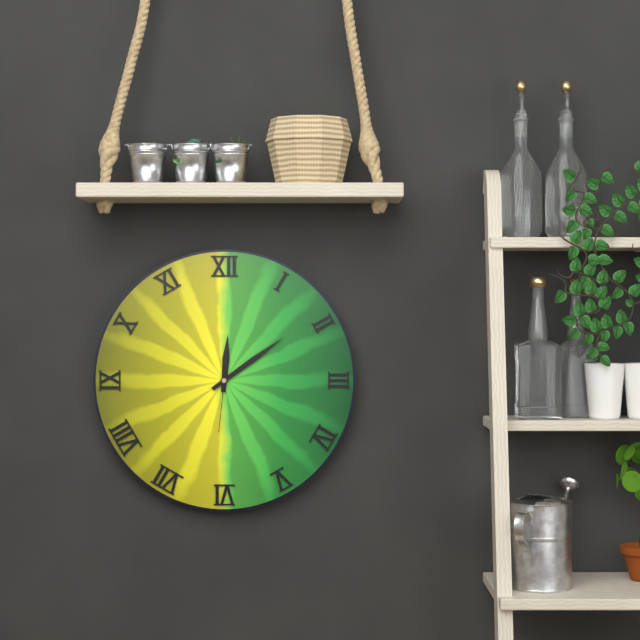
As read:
12,09,31
